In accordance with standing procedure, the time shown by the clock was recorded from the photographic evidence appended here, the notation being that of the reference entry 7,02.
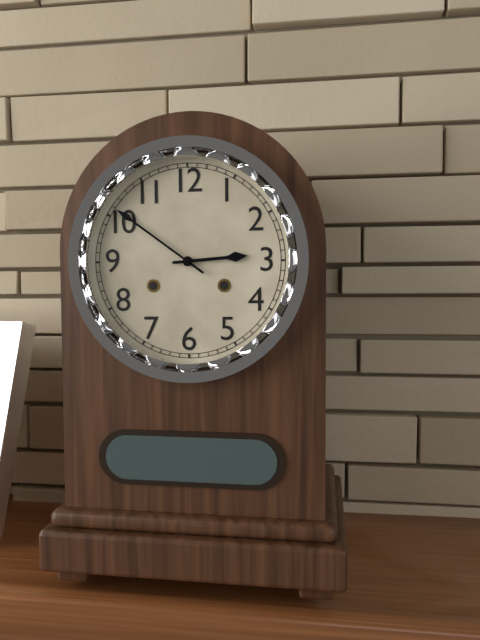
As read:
2,51
